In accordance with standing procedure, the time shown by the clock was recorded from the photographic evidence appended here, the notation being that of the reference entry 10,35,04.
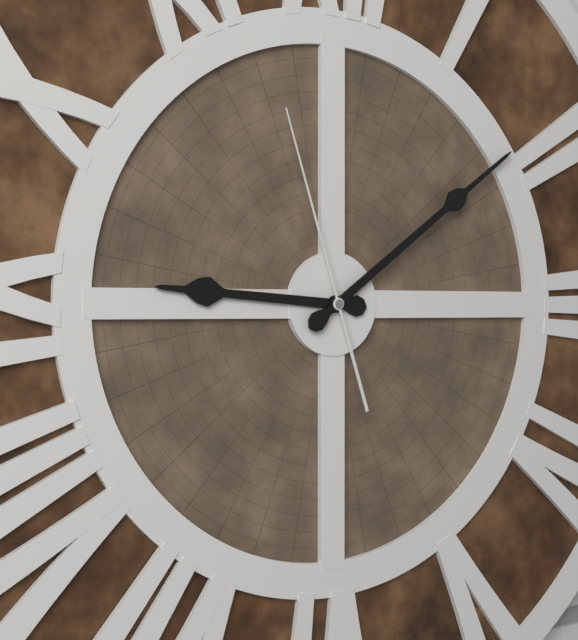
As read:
9,09,57
